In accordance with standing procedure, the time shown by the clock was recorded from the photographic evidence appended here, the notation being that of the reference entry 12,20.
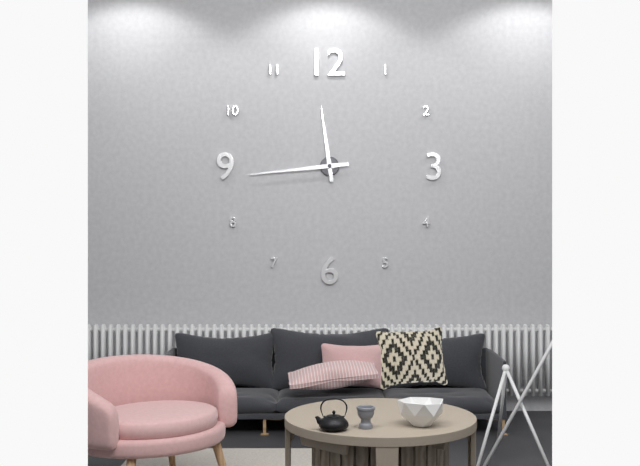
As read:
11,44
